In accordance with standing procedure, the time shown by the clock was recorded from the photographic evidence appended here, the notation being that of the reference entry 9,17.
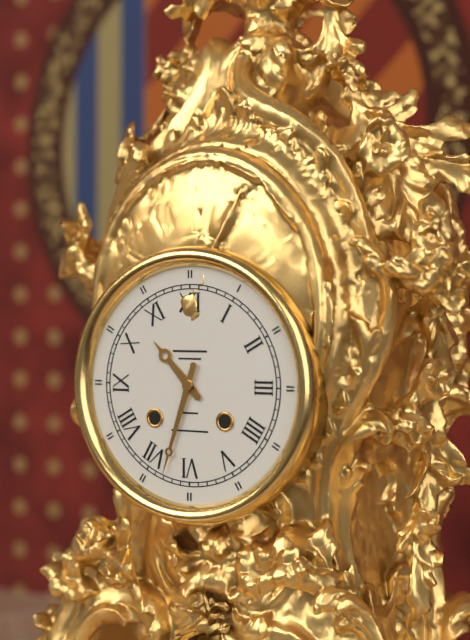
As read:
10,33
